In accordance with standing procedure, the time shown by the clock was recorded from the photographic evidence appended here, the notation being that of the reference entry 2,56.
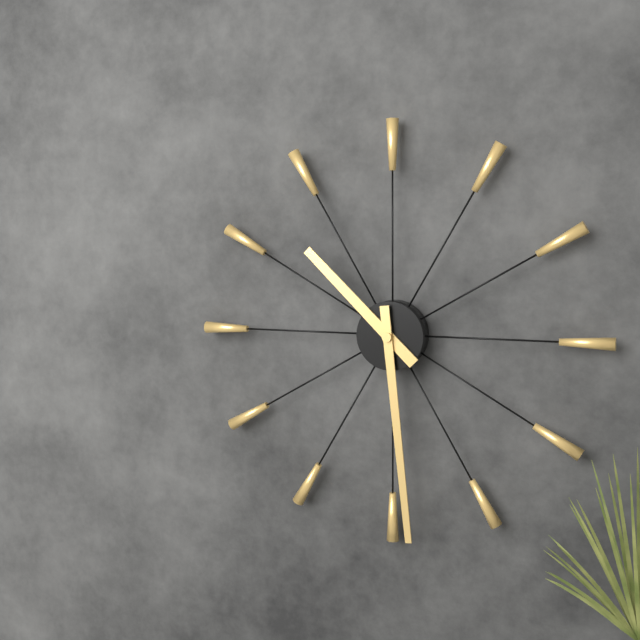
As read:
10,29
